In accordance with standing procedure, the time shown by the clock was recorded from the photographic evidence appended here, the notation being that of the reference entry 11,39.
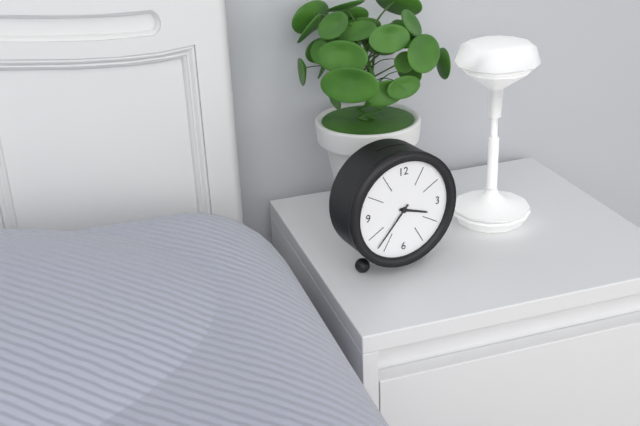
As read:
3,37
